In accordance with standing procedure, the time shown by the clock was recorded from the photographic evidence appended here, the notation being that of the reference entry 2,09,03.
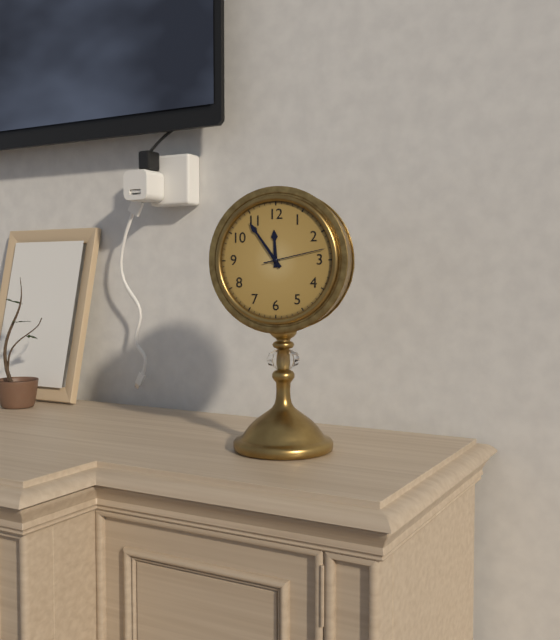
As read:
11,54,13
